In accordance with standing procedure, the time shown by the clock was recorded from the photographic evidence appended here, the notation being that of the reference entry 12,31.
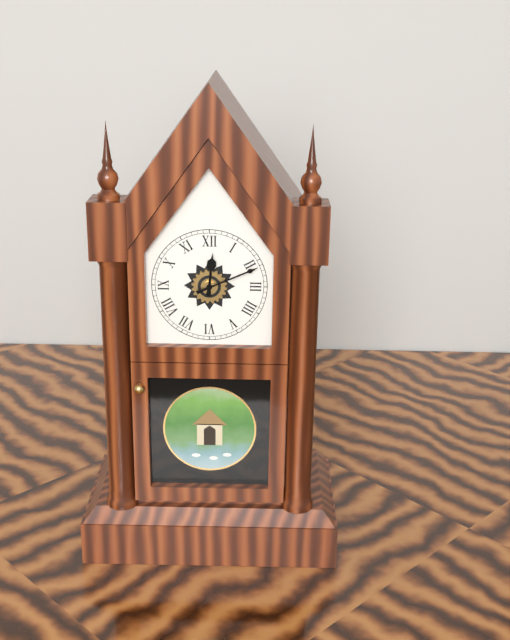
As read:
12,11
